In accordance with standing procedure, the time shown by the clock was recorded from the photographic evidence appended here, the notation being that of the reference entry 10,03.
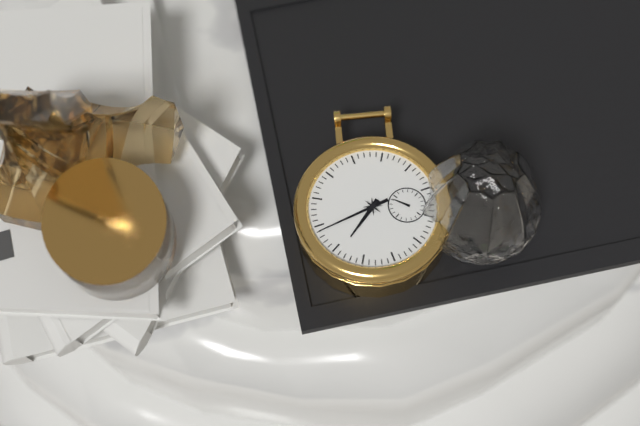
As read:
8,49
